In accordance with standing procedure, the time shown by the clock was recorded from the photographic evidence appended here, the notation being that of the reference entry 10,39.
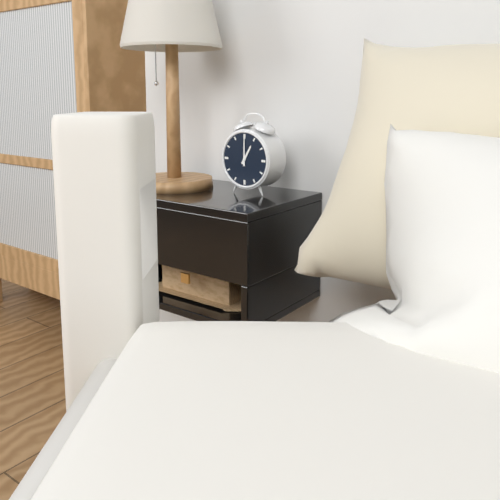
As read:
1,00
